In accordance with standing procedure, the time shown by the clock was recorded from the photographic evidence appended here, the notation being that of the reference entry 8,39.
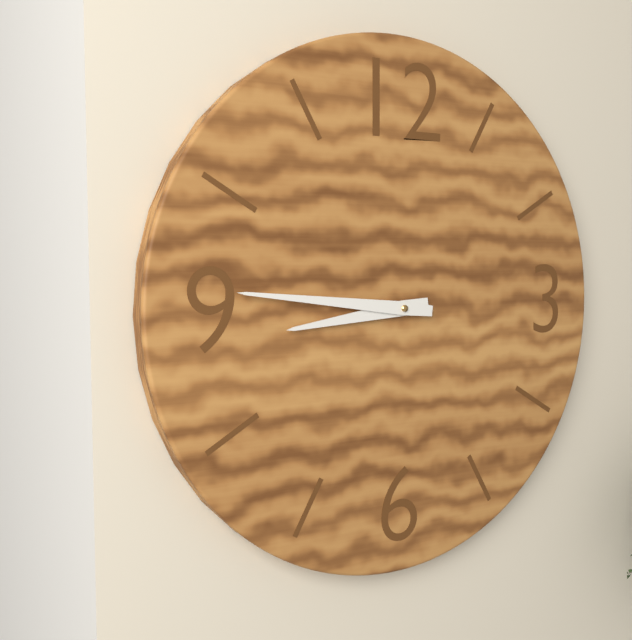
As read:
8,46
